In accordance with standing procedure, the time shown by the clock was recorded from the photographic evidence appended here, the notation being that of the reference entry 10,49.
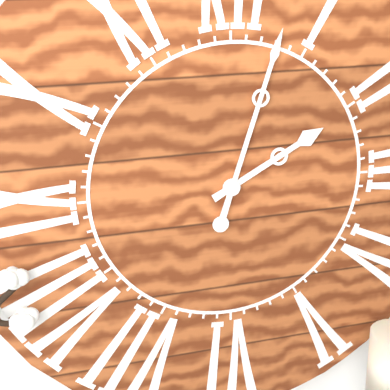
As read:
2,03
